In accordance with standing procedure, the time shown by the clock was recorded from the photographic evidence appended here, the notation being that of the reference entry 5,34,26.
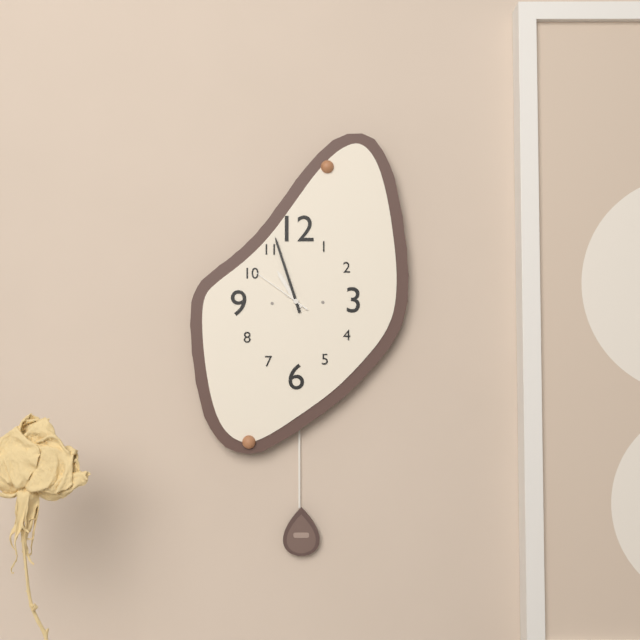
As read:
10,57,51
